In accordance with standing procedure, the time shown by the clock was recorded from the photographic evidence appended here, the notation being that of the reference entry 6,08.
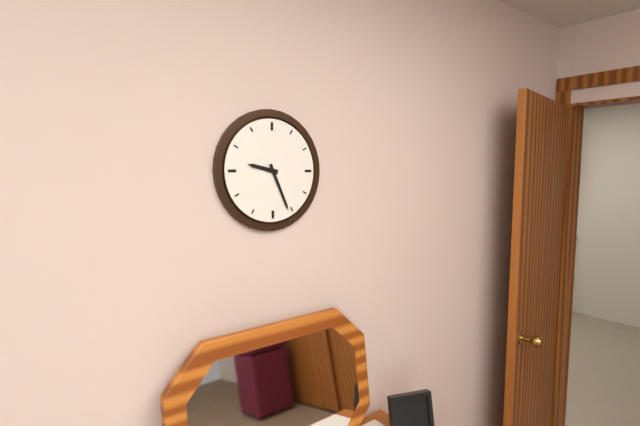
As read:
9,26
